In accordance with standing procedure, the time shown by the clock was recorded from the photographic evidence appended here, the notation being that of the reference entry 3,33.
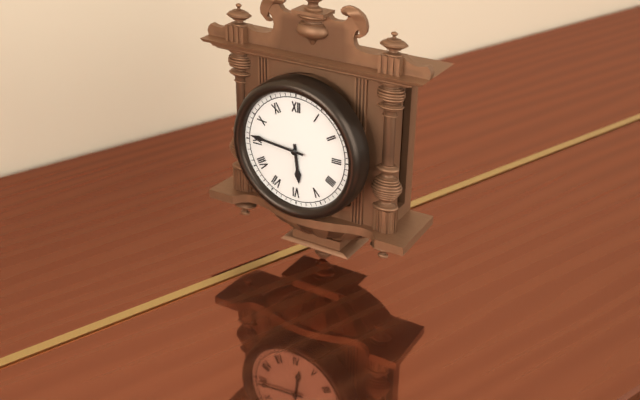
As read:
5,46
